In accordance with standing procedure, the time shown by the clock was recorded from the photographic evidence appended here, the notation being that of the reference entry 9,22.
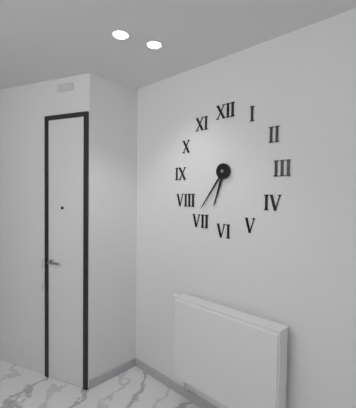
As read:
6,36
